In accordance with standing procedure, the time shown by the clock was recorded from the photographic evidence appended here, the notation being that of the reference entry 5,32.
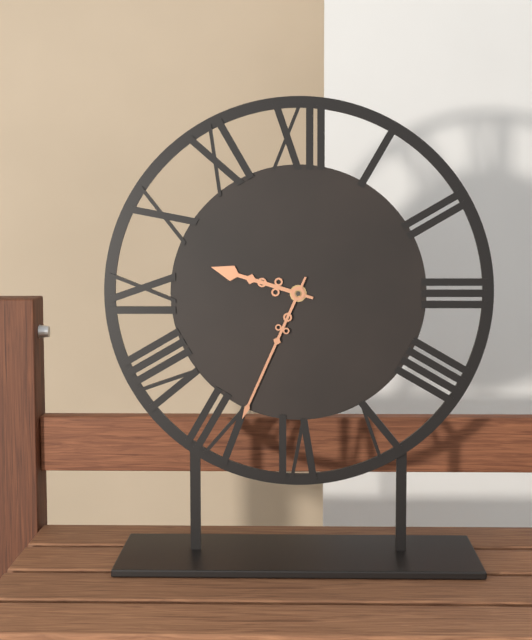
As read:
9,34
